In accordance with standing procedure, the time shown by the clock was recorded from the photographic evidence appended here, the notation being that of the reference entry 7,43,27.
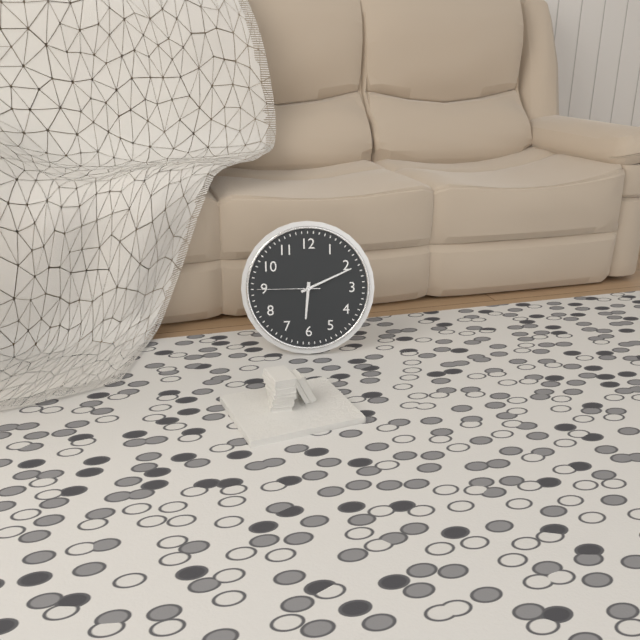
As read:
6,11,45
